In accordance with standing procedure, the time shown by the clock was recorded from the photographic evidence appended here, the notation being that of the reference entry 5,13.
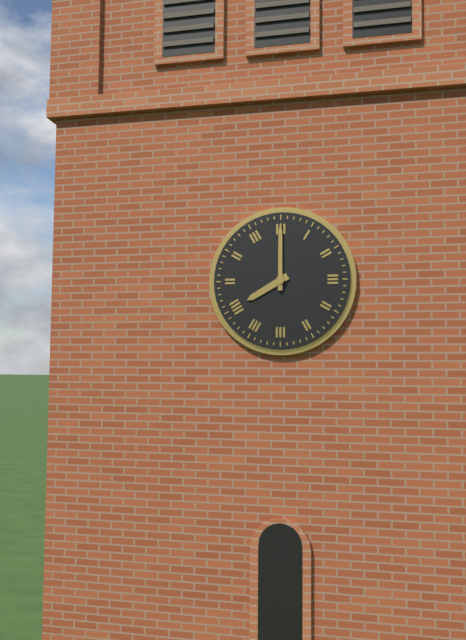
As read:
8,00
